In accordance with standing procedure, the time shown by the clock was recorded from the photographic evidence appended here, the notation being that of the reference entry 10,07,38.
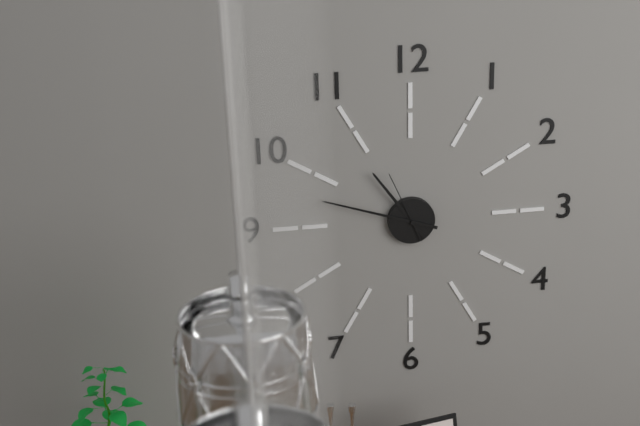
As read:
10,48,56
